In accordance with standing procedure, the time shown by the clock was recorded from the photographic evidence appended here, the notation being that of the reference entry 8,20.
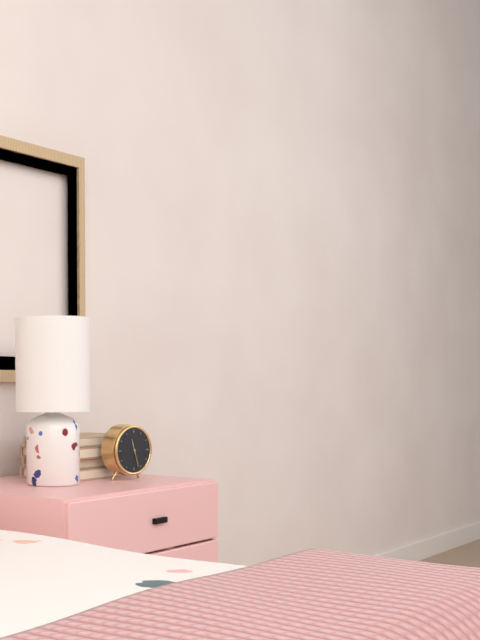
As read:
11,27
